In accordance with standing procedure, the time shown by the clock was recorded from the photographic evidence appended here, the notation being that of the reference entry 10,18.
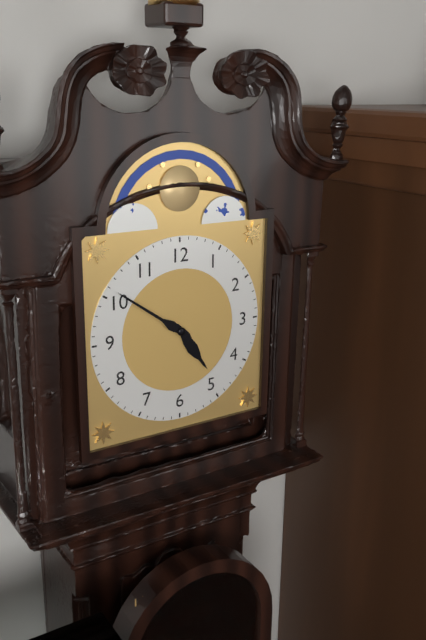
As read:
4,51
